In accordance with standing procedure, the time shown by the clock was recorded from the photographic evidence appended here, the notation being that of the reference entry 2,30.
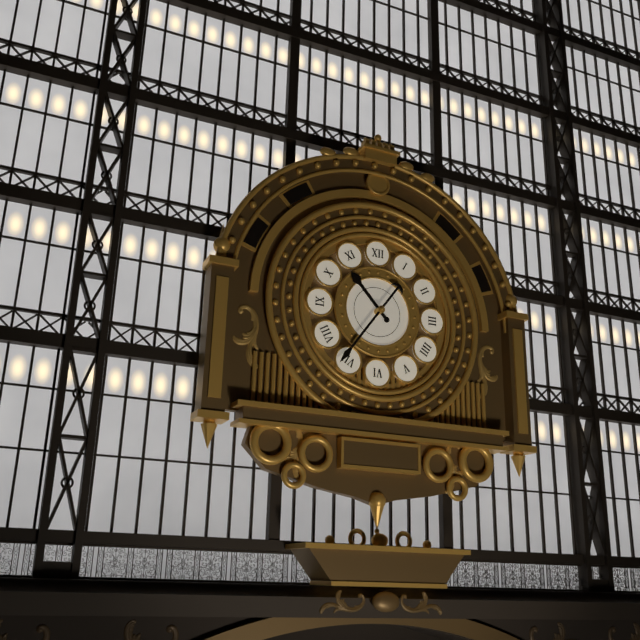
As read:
10,36
